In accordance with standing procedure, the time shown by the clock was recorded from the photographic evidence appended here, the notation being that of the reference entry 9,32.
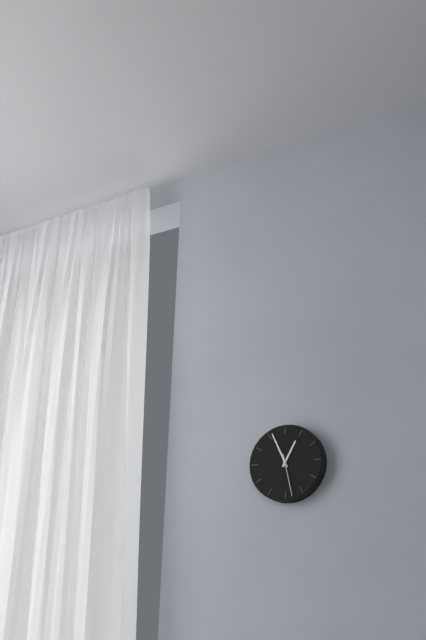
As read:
12,56
